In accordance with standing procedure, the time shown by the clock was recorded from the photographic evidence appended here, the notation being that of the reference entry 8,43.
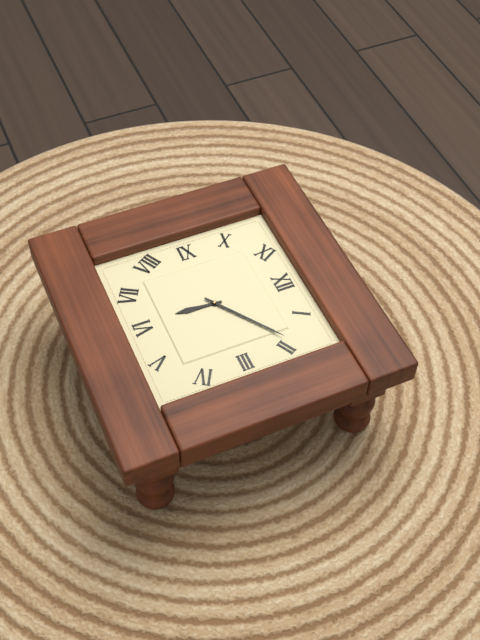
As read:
6,09
